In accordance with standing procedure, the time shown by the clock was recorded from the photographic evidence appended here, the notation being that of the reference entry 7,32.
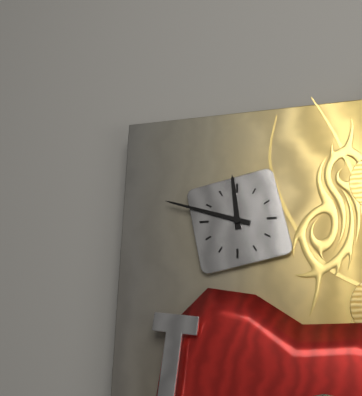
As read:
11,48
